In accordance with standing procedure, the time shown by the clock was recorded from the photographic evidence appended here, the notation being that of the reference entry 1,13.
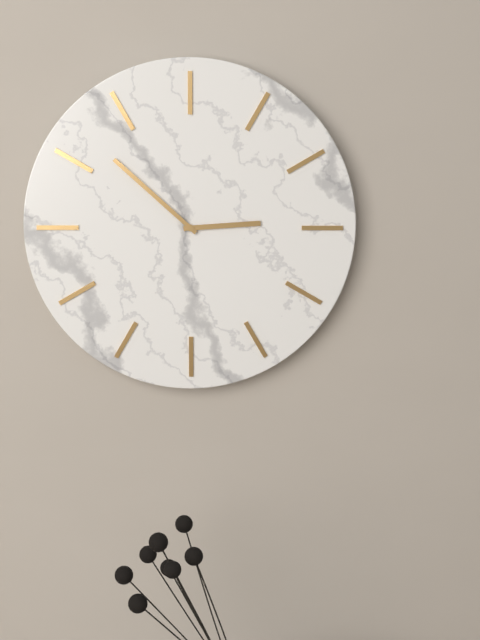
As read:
2,52
